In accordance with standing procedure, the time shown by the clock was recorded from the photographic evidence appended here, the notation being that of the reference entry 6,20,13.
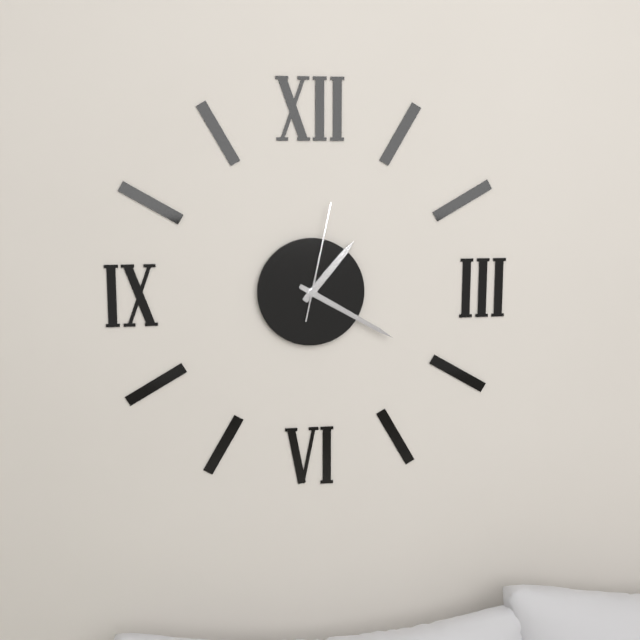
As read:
1,20,02
